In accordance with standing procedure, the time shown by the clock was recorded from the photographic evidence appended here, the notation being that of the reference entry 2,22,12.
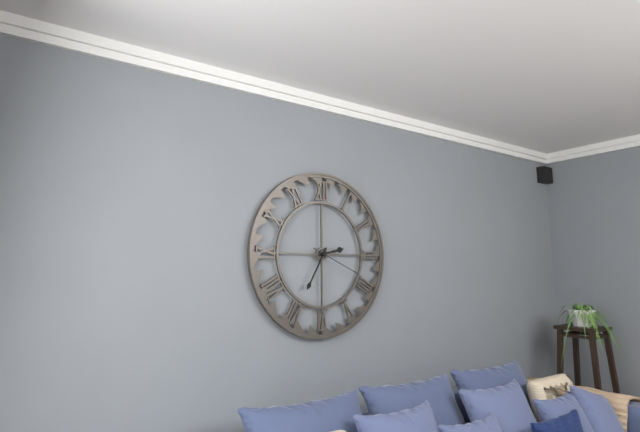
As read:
2,35,19
